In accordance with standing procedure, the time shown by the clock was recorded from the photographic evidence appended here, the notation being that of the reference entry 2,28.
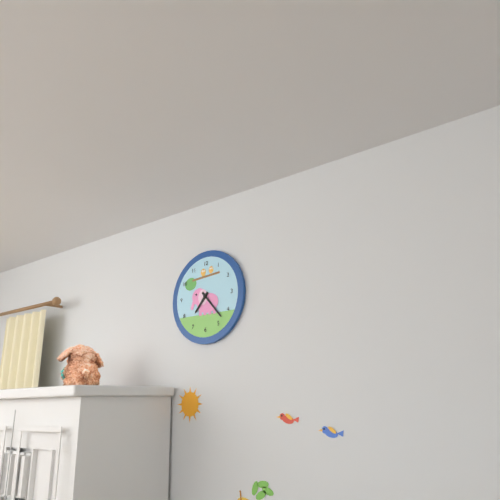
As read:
7,23
